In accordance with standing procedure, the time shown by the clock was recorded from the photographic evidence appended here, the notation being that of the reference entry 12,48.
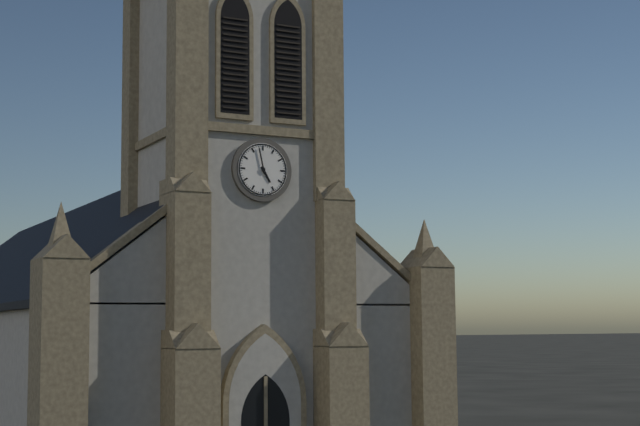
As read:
4,58
